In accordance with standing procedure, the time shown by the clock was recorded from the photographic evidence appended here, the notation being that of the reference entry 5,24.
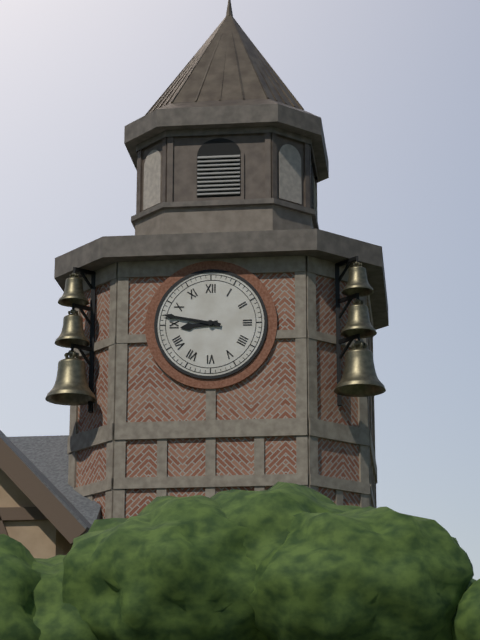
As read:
8,47
